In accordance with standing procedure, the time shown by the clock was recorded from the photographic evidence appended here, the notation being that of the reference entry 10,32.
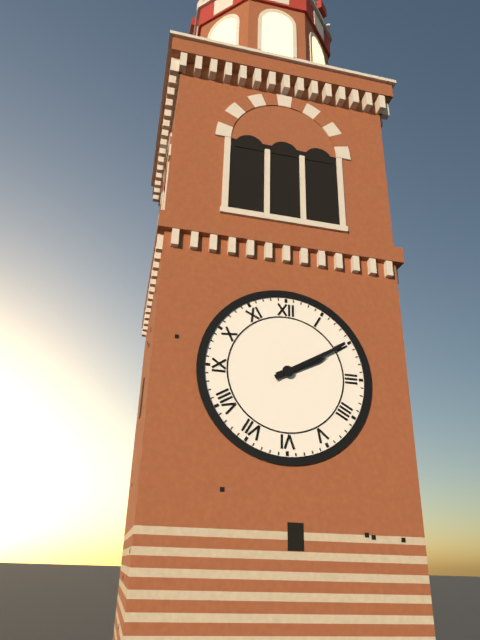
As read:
2,10
